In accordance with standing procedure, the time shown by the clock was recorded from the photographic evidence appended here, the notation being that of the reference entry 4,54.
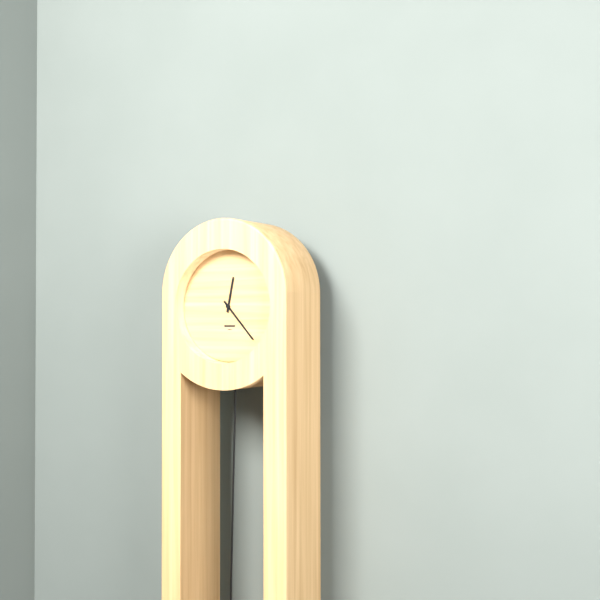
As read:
12,23
